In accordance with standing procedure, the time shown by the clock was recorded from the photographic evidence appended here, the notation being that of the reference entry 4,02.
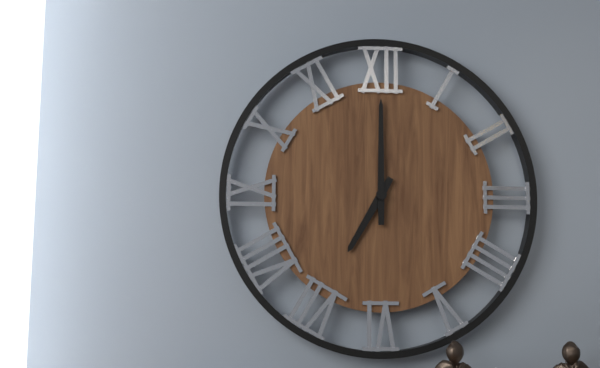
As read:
7,00
